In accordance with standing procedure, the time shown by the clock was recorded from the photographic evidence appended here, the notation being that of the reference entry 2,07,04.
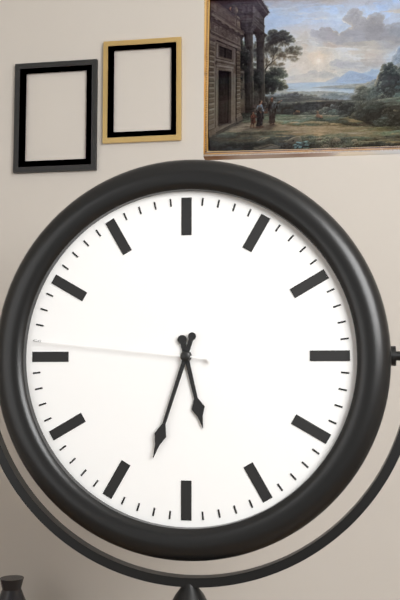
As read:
5,33,46
